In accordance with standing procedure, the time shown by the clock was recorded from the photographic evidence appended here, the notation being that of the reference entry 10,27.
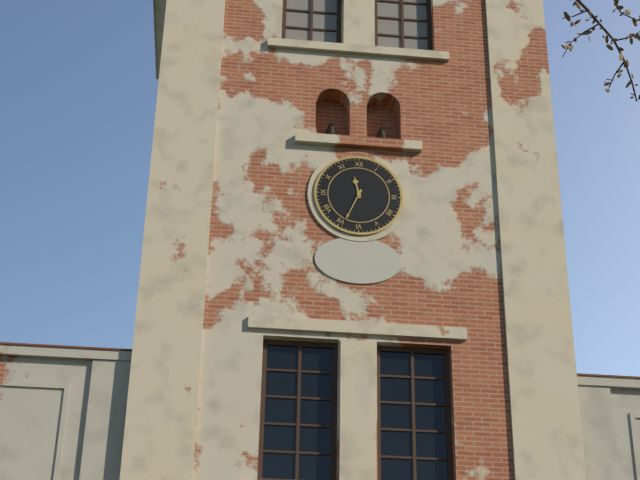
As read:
11,34
